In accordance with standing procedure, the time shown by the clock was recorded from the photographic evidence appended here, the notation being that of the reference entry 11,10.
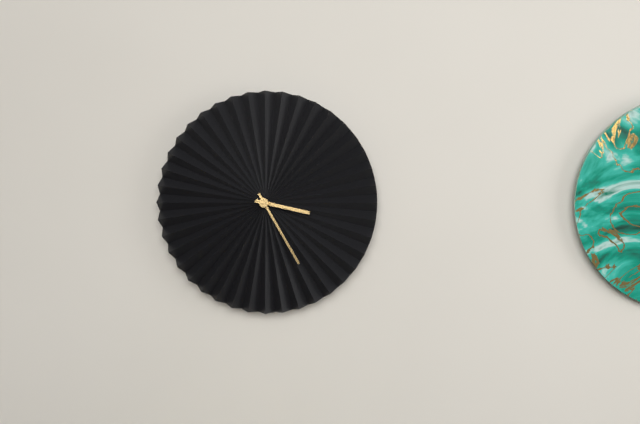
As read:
3,25
